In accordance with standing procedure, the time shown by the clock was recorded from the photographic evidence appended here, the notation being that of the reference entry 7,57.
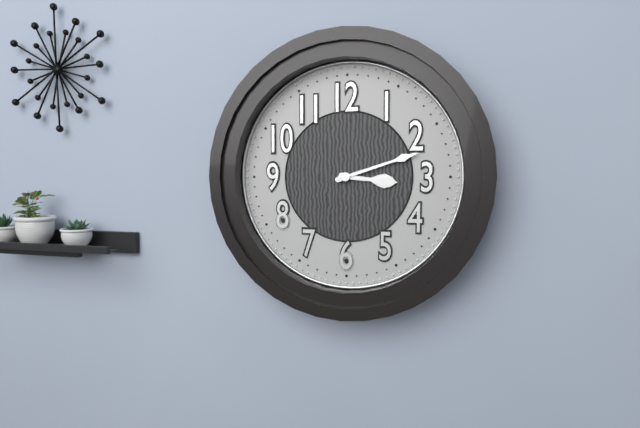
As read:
3,12
